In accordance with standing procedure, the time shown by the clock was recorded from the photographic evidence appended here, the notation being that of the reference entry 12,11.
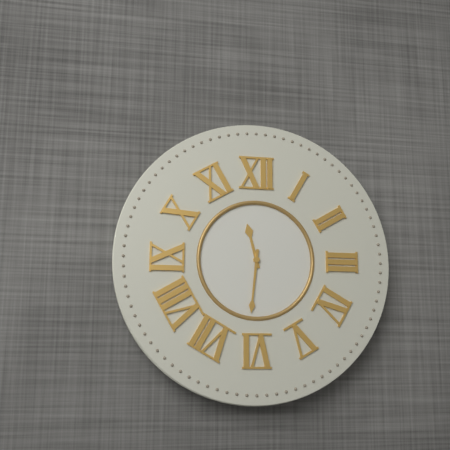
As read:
11,31
